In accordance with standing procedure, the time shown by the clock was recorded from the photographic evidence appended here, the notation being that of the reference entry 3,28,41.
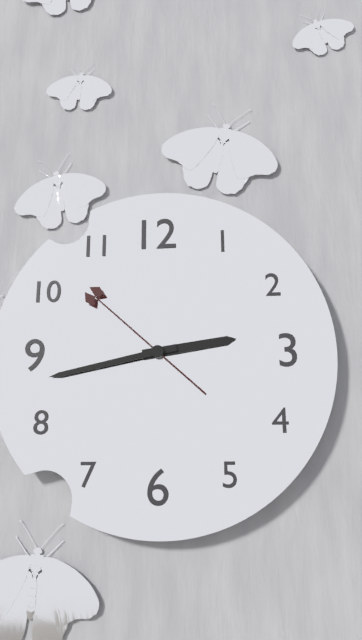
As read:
2,43,52
